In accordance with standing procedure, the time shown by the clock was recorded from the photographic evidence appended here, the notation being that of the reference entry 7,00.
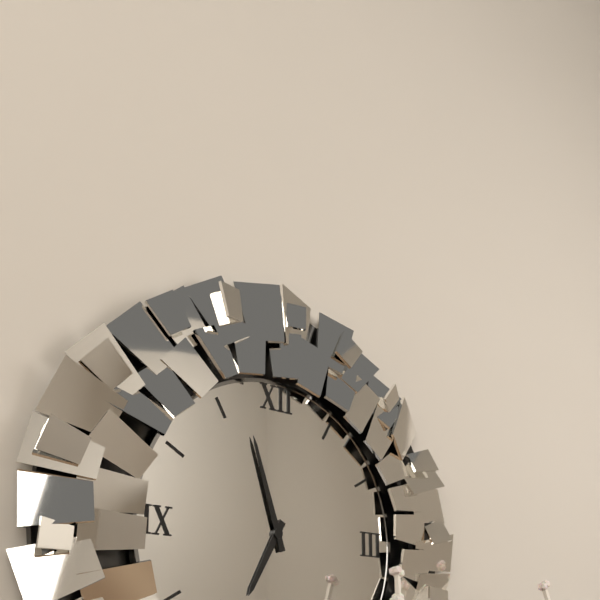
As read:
6,57
